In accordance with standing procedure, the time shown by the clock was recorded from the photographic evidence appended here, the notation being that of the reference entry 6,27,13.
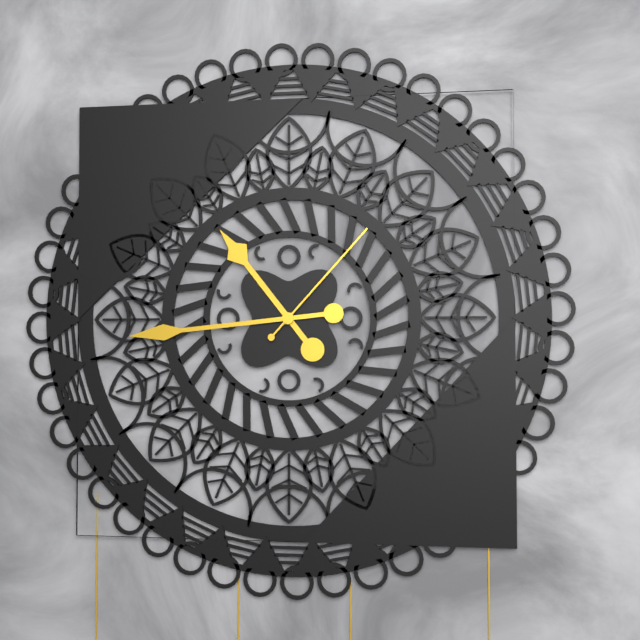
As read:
10,44,07
